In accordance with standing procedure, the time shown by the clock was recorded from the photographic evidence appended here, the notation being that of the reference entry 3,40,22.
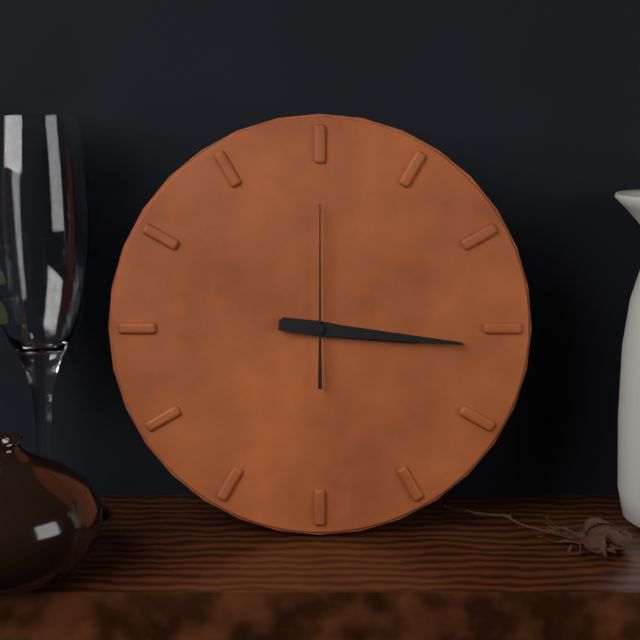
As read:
3,16,00
